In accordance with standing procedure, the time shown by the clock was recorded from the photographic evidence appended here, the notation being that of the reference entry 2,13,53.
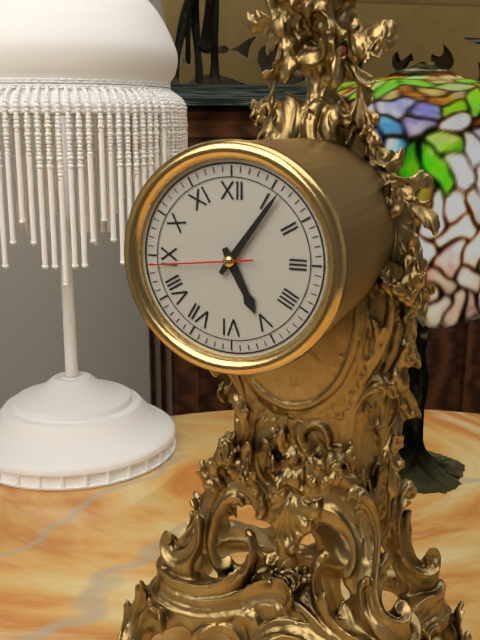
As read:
5,06,44
